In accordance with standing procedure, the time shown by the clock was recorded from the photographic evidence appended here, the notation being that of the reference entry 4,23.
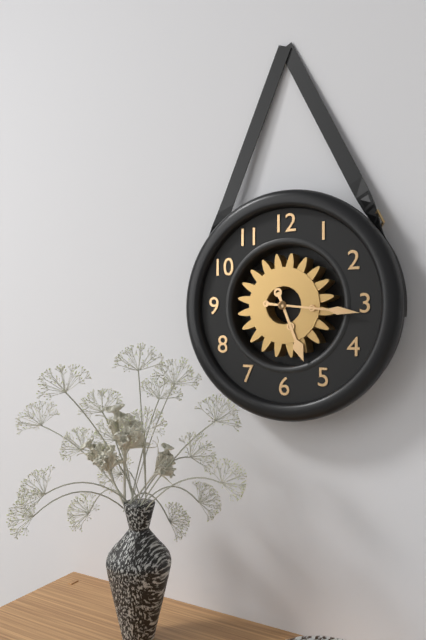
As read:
5,16
